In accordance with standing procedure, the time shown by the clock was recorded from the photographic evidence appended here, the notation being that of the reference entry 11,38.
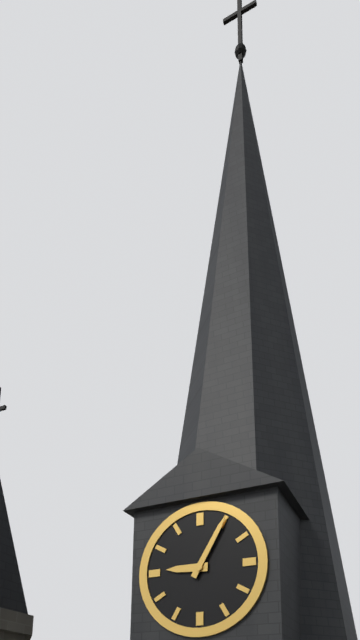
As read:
9,05
